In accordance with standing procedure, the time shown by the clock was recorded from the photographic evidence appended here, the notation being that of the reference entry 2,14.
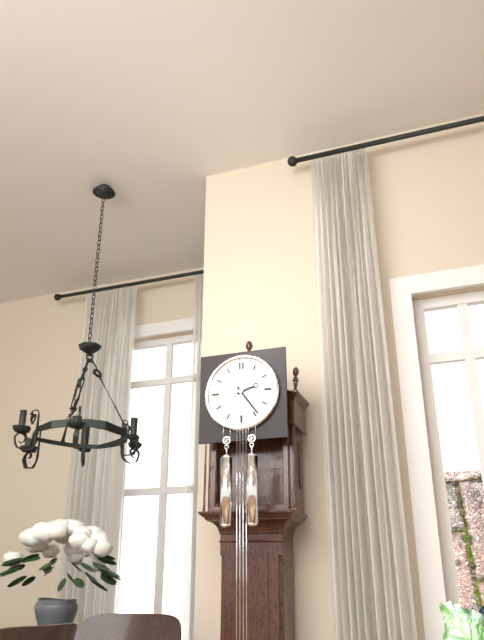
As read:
2,24
